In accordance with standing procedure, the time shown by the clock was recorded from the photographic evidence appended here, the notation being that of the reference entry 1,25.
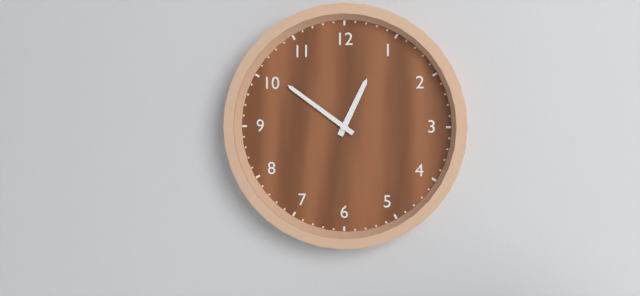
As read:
12,51
